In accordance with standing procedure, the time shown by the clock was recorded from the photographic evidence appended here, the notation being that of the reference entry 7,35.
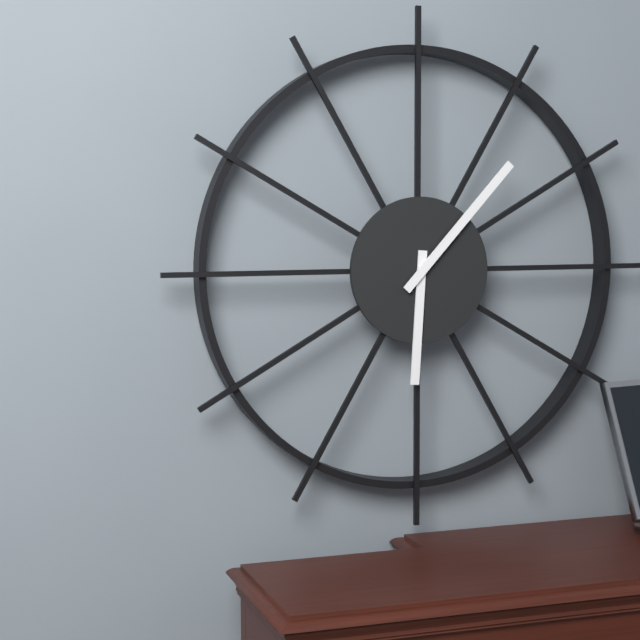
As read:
6,07
